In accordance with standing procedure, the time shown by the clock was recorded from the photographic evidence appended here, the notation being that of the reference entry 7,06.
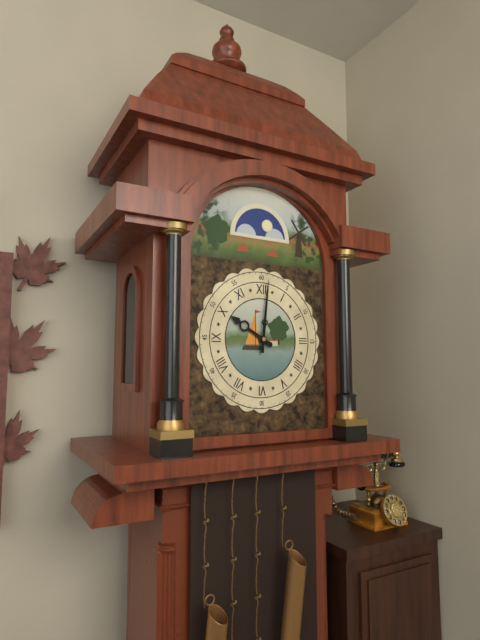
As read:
10,01
